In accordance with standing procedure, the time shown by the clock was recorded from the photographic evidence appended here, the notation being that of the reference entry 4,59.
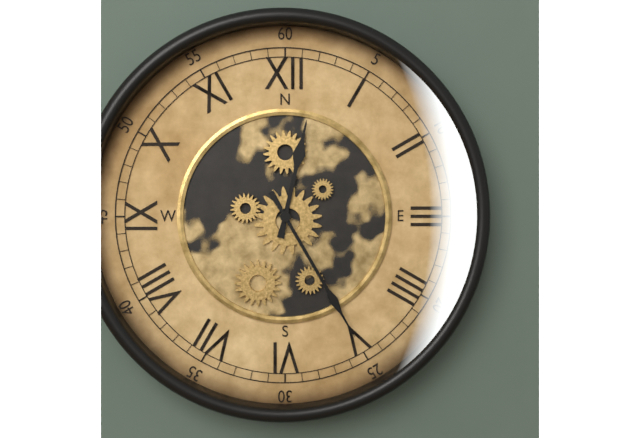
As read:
12,25
